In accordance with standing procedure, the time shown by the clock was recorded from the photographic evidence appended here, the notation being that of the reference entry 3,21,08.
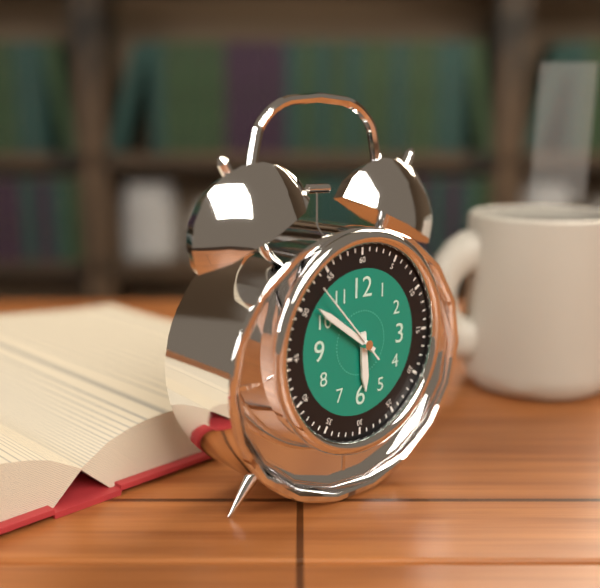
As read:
5,51,53
